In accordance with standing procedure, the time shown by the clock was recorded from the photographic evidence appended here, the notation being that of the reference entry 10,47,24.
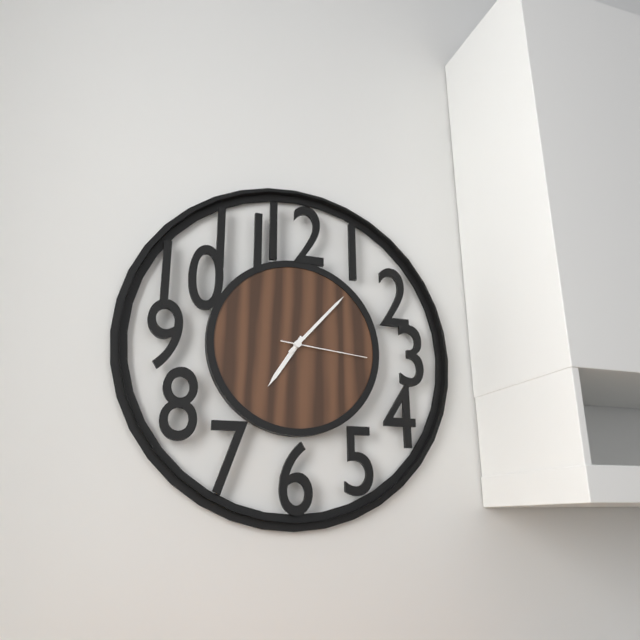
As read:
7,07,16
